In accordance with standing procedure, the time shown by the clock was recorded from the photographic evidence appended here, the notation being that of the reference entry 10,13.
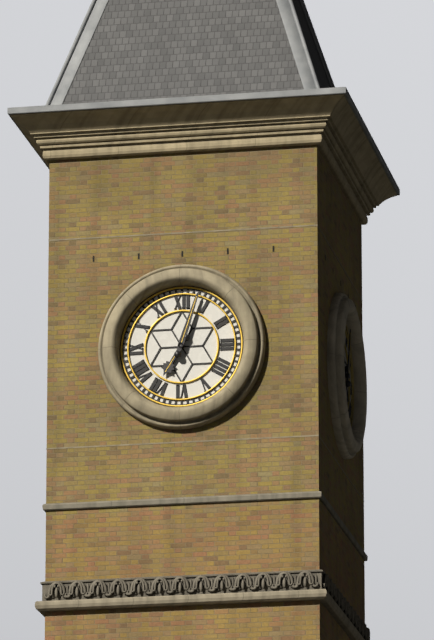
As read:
7,03
